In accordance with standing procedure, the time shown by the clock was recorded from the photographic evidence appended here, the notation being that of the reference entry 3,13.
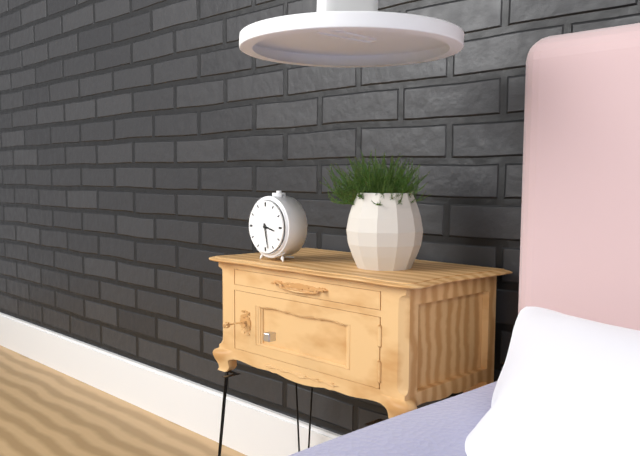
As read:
3,28
